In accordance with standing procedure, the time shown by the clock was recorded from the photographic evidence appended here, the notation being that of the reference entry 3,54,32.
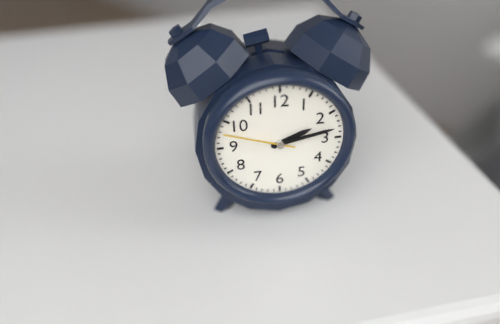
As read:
2,13,48
